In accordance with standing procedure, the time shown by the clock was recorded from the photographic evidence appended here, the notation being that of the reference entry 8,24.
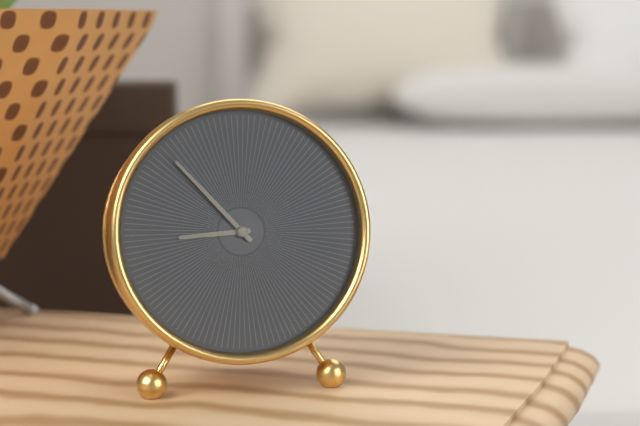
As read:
8,53
